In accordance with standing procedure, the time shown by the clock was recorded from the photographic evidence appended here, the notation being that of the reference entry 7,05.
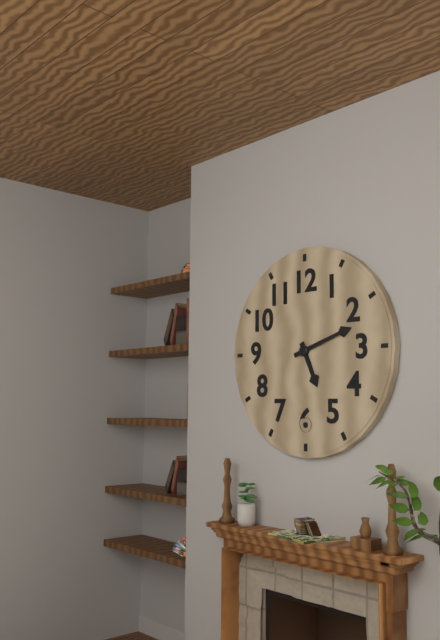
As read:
5,12
